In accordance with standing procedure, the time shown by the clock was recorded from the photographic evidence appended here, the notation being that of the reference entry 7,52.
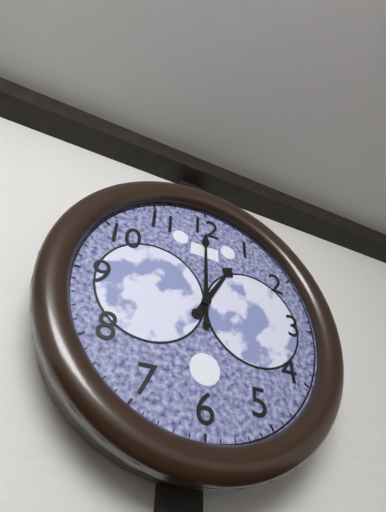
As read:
1,00
